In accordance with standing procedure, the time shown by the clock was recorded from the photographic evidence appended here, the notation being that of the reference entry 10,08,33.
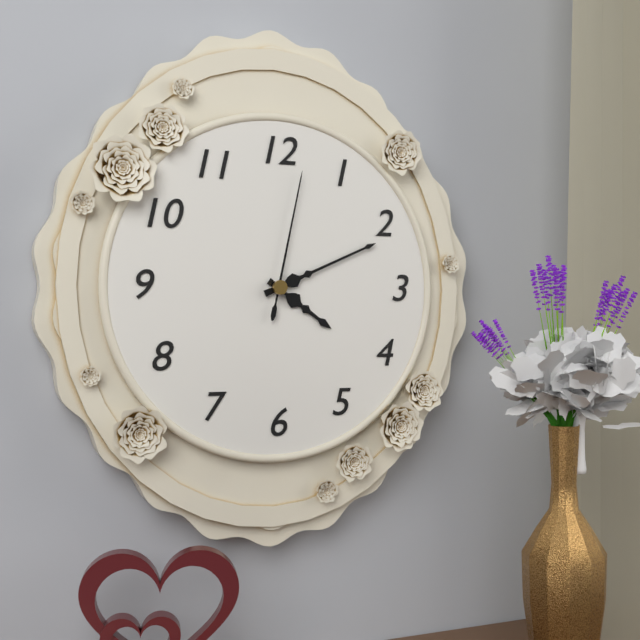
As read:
4,11,02
